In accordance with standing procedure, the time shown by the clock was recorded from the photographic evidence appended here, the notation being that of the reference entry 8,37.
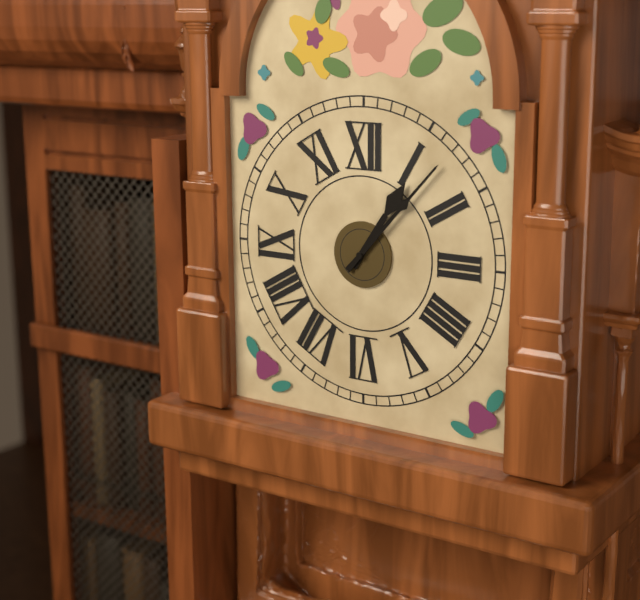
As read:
1,07
